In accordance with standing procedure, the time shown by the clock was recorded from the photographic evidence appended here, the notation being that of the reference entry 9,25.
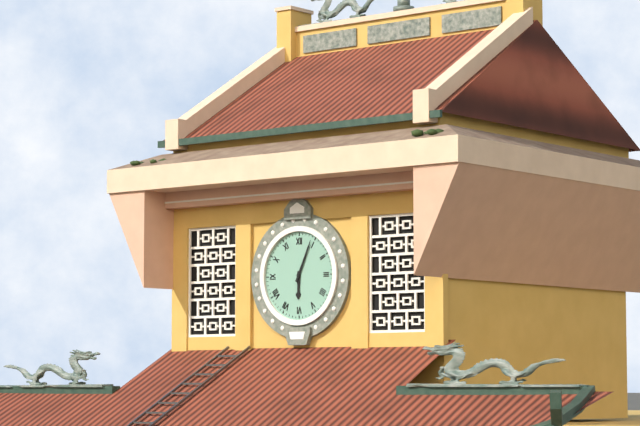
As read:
6,04
